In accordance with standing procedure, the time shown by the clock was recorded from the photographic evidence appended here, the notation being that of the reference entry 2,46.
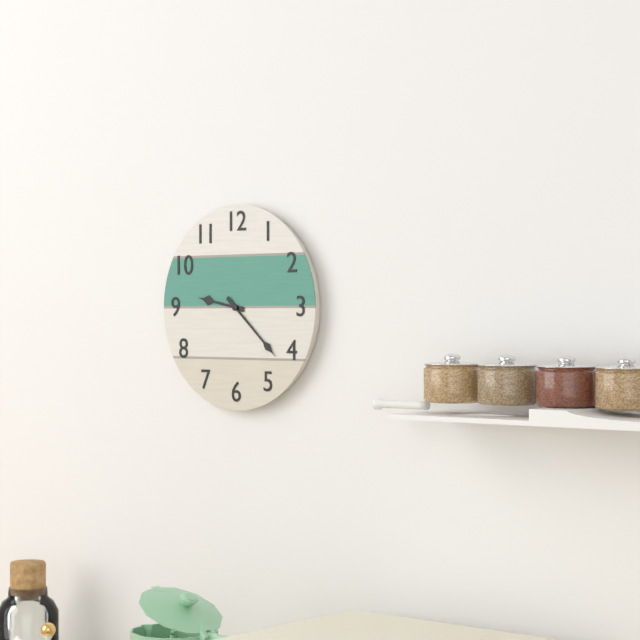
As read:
9,22
